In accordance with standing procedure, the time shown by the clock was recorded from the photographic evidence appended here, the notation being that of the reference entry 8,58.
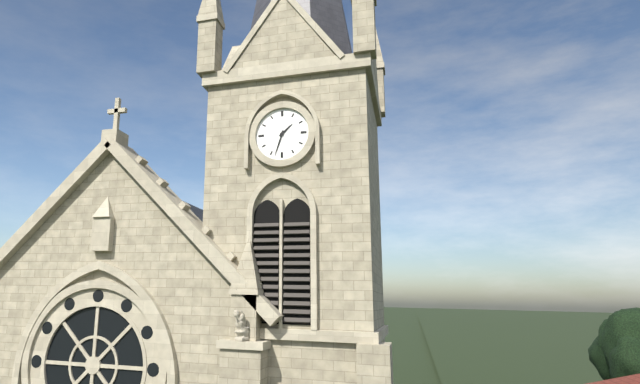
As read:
1,33
